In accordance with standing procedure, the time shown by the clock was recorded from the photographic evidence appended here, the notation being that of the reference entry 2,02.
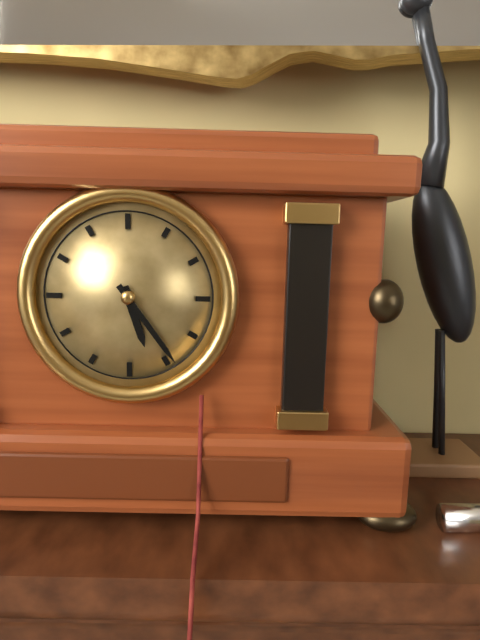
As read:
5,24
